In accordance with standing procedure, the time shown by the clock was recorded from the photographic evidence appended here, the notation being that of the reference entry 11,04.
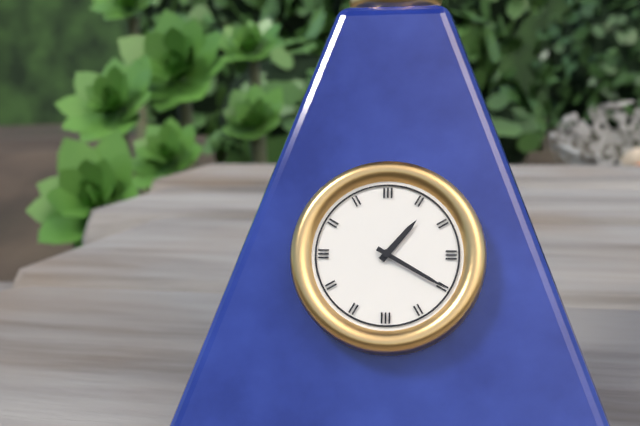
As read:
1,20
